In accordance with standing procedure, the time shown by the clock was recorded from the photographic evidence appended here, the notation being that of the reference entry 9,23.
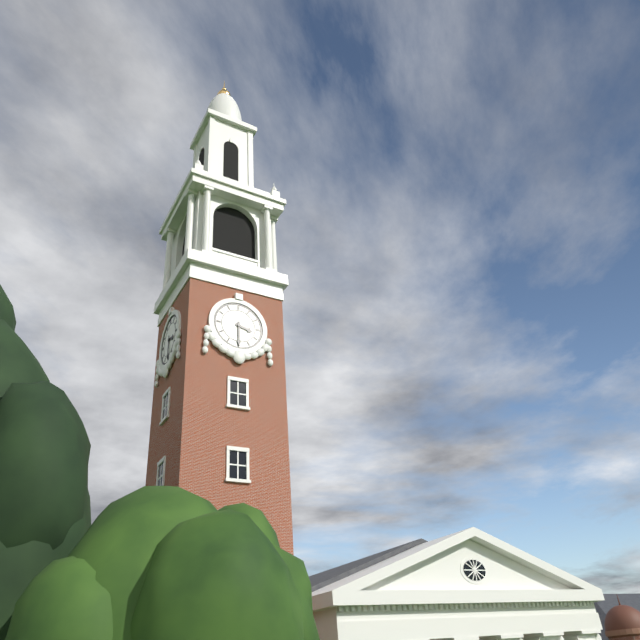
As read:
3,30
